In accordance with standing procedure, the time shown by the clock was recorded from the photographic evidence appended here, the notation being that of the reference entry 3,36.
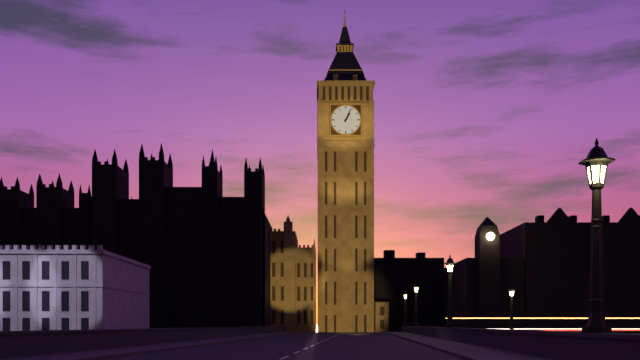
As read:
1,04
